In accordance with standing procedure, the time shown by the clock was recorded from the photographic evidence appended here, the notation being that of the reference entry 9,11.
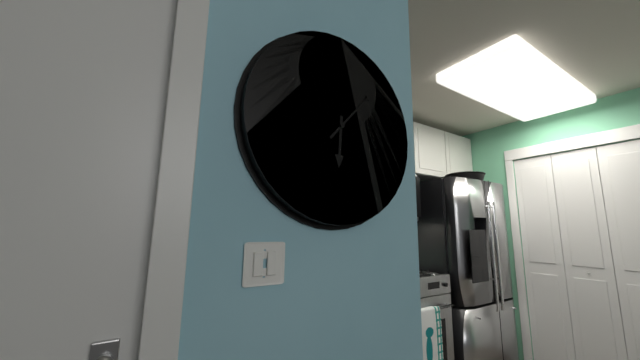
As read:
6,07
